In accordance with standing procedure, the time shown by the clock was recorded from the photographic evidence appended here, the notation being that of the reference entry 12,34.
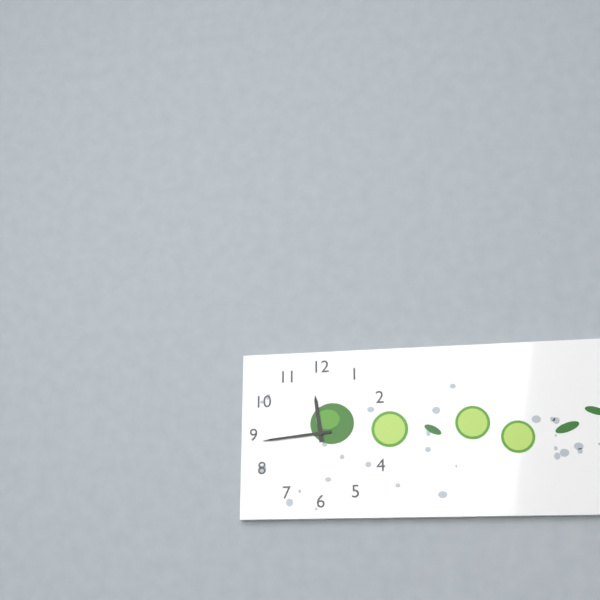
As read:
11,44
